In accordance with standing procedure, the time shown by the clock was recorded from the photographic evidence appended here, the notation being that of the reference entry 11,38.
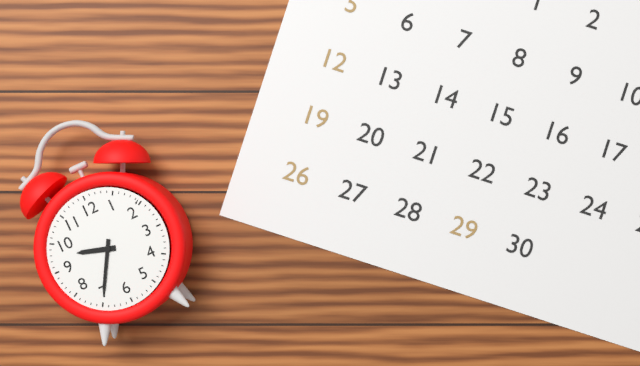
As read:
9,35
